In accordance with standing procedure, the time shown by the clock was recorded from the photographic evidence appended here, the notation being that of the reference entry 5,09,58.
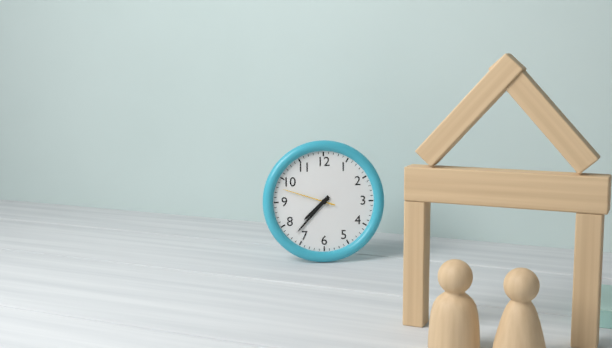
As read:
7,37,48
